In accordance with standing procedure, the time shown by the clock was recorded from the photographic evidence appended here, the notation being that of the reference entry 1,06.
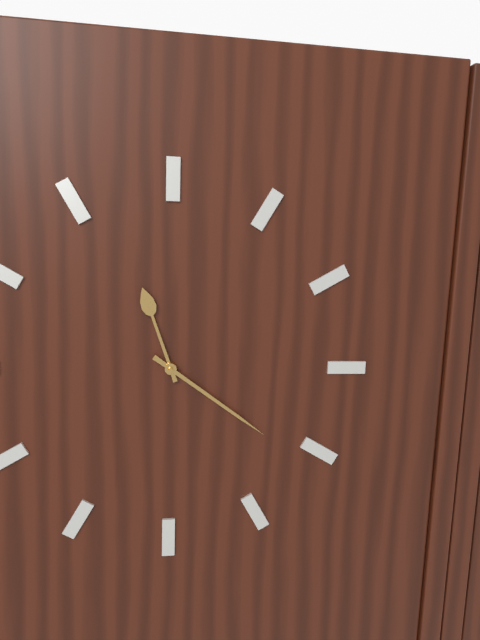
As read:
11,21
